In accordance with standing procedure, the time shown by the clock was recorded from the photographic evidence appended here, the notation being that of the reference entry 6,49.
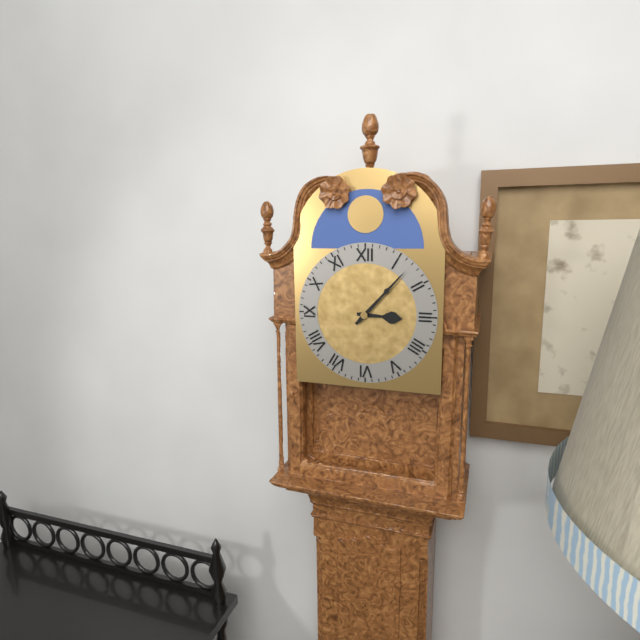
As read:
3,07
